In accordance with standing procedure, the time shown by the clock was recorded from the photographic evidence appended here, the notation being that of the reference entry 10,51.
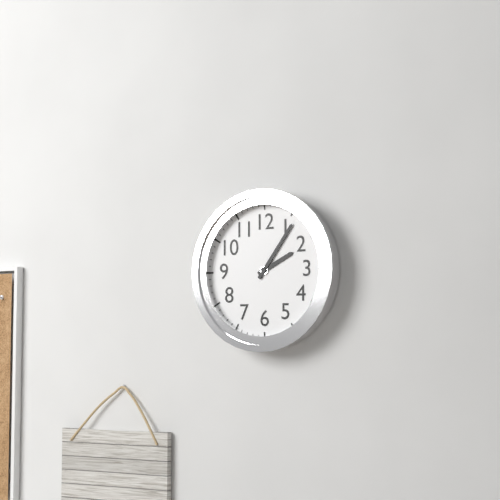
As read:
2,06
